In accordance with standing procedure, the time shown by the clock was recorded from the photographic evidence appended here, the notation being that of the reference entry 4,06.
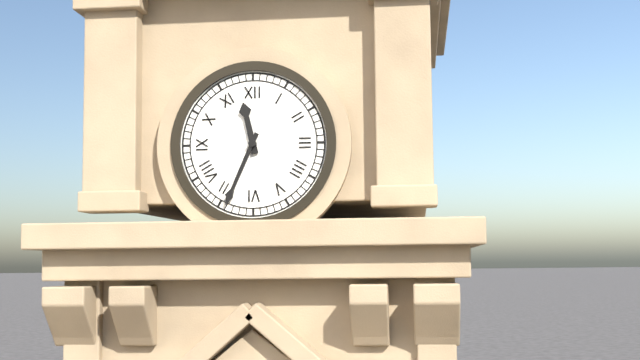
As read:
11,34
